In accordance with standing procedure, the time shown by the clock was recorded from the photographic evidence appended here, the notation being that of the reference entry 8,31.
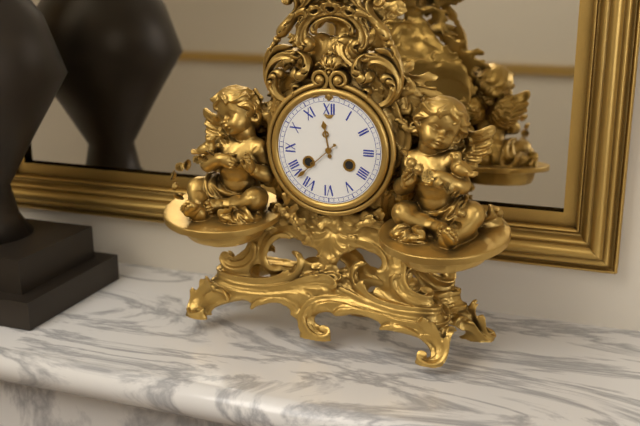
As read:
11,38
